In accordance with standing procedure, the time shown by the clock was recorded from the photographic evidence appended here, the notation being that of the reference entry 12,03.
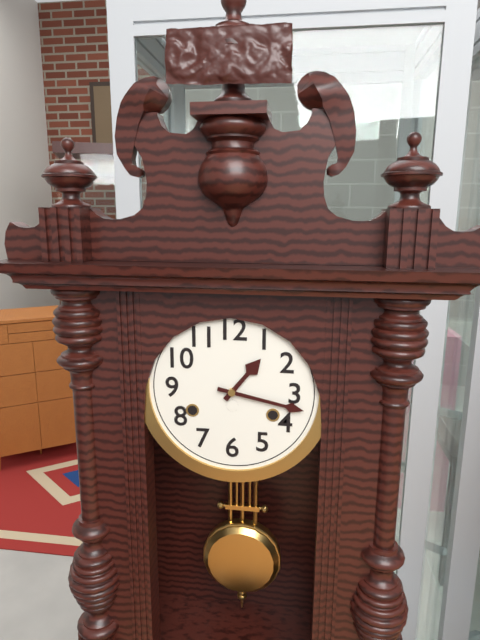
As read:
1,17
